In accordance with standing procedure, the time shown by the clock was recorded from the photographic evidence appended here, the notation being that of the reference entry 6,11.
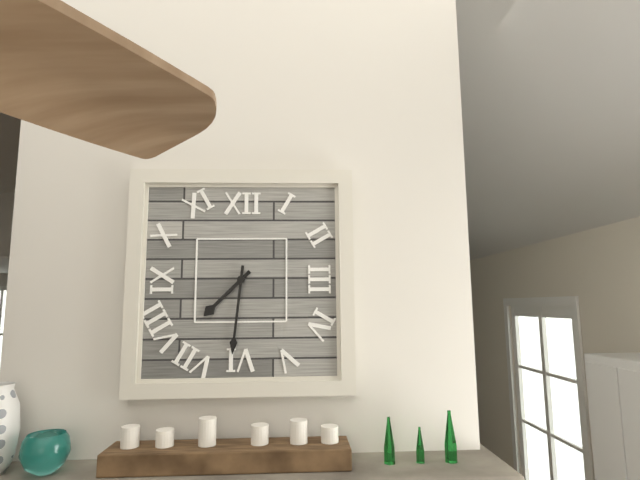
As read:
7,31
